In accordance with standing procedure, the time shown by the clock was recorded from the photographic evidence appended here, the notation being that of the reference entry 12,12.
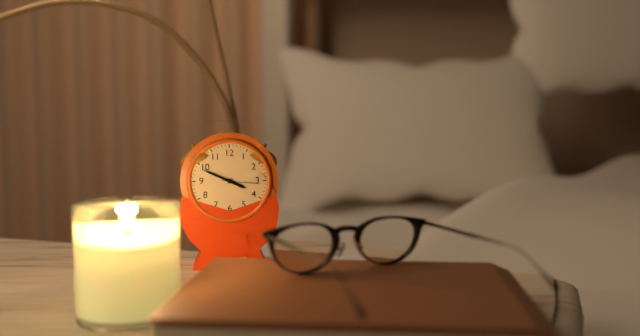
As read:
3,49
